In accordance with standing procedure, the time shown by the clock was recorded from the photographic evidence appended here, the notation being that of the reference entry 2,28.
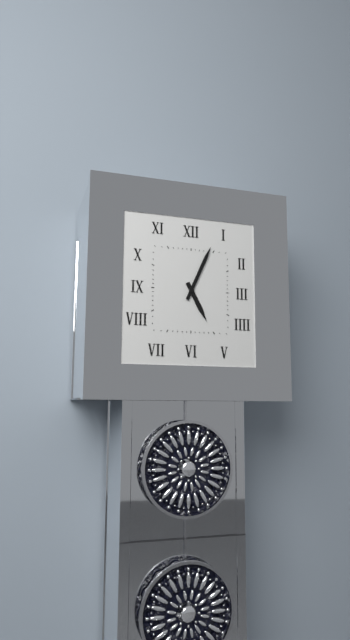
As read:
5,04
